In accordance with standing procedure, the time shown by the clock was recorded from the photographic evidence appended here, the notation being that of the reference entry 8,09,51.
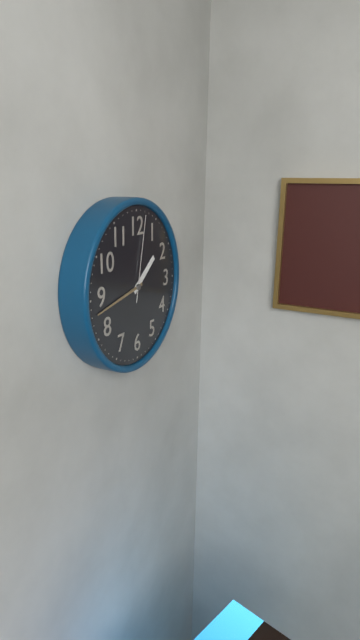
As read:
1,43,02
